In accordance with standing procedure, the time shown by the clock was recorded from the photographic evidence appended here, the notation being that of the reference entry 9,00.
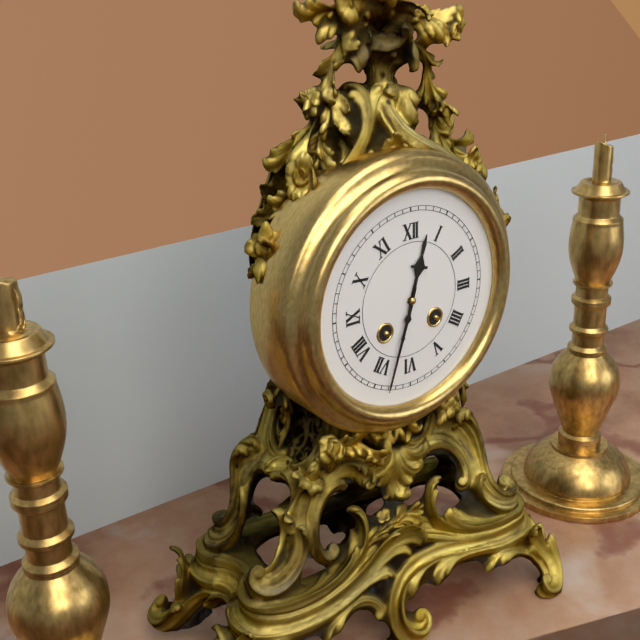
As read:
12,33
